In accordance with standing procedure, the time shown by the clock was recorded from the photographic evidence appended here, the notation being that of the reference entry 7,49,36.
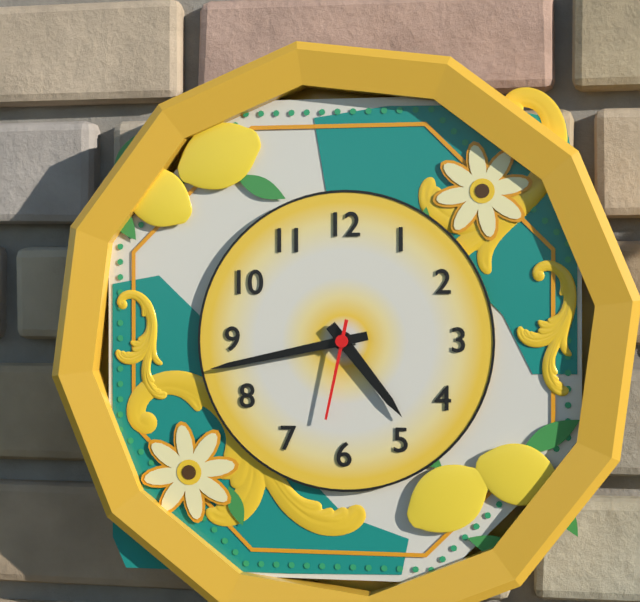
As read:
4,43,32
